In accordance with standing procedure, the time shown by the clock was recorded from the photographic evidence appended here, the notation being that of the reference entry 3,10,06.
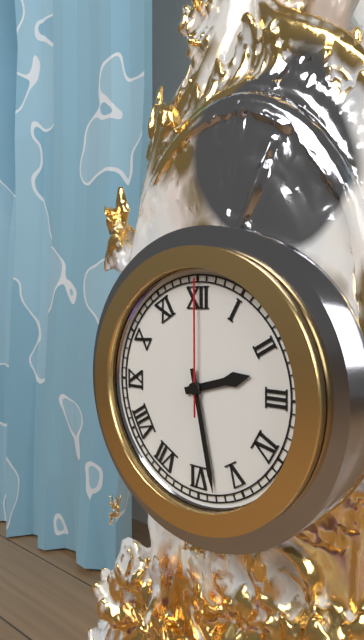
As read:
2,28,00
